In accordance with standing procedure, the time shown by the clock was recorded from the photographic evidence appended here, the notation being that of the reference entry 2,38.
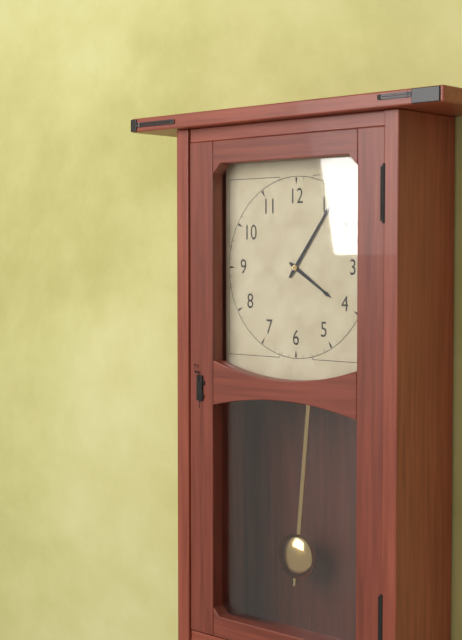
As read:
4,06
